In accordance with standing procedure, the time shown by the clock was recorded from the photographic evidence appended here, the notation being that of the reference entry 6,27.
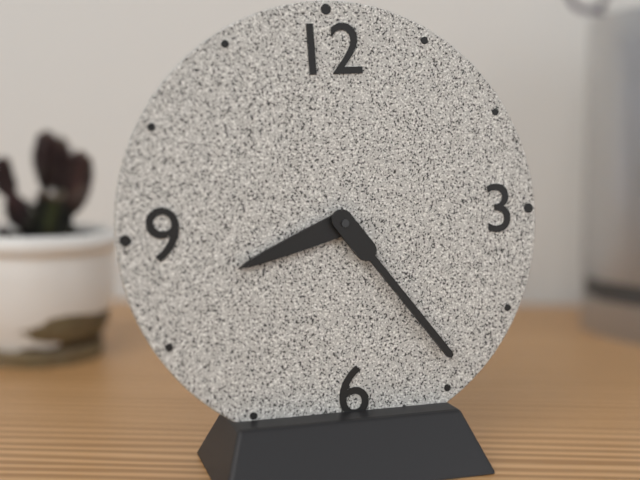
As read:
8,24
